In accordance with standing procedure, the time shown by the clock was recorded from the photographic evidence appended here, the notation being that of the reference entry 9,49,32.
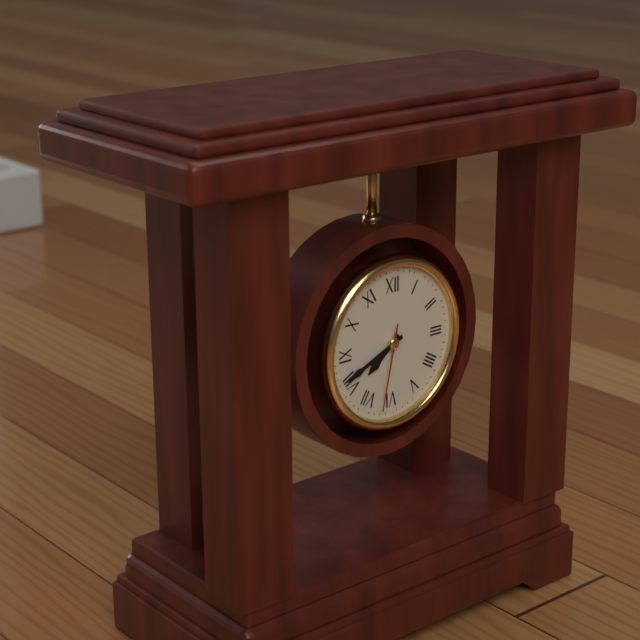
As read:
7,41,32
